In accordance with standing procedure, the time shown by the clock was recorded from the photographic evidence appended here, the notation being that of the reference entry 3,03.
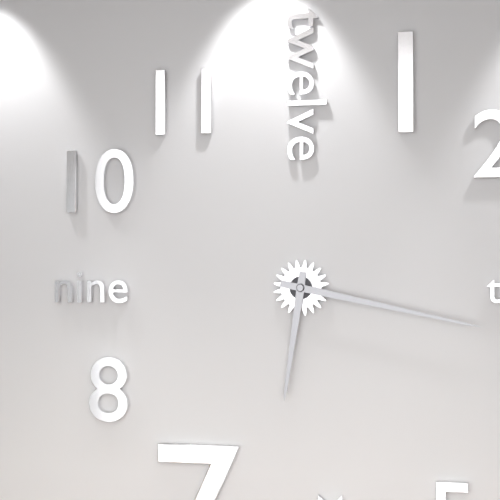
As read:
6,17
